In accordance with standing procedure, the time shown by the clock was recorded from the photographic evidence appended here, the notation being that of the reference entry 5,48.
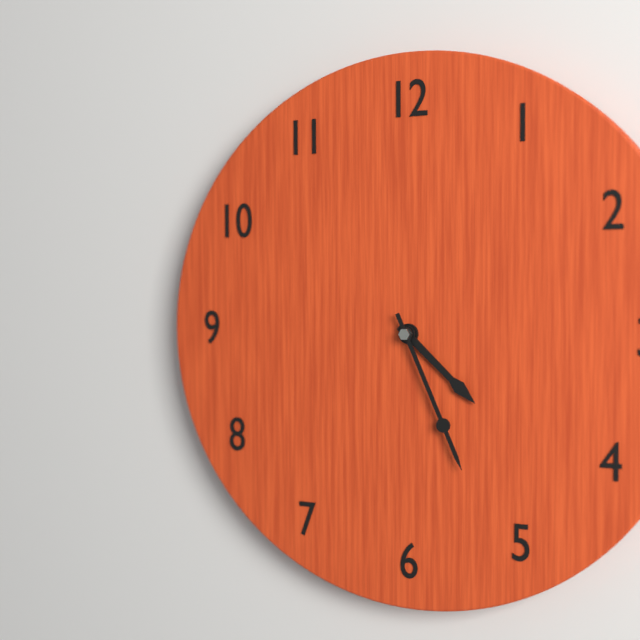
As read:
4,26
